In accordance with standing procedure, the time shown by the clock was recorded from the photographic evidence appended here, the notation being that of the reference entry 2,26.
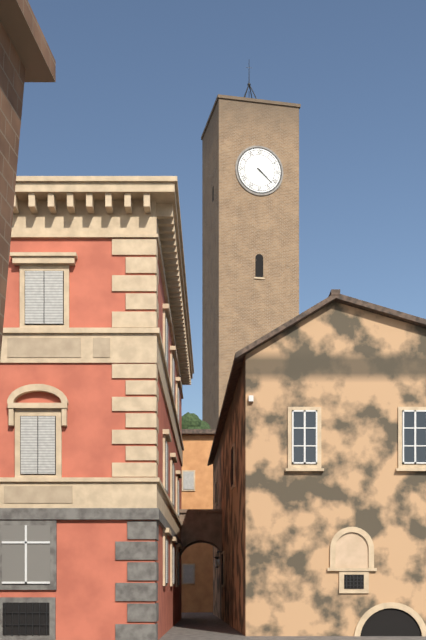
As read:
4,22
